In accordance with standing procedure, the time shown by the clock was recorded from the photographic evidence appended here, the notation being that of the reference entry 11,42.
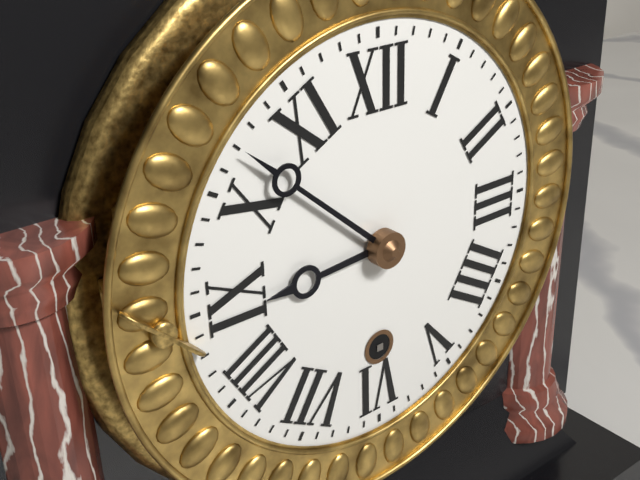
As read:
8,52
